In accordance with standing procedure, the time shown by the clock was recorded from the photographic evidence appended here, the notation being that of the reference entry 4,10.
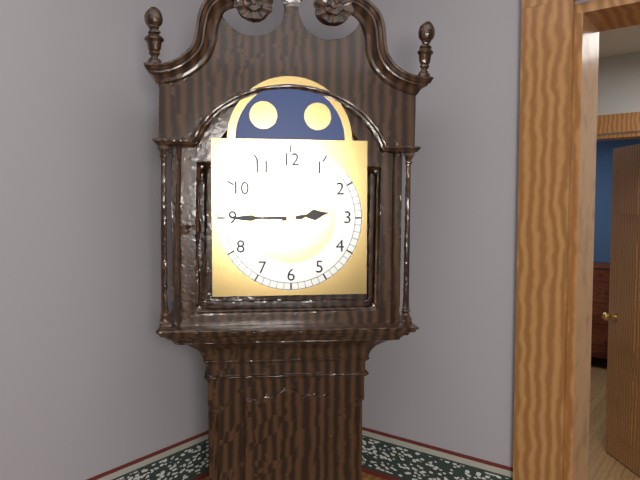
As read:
2,45
